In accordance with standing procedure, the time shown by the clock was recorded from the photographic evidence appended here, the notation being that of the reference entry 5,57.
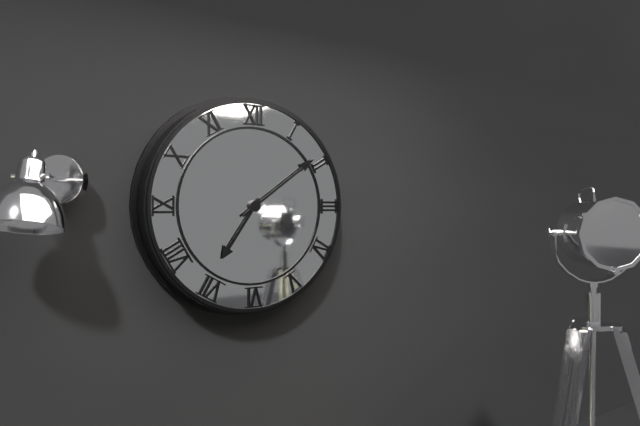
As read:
7,09
